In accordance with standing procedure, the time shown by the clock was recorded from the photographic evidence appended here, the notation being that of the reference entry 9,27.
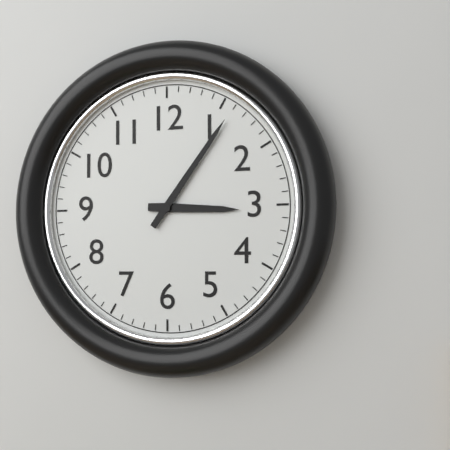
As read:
3,06
